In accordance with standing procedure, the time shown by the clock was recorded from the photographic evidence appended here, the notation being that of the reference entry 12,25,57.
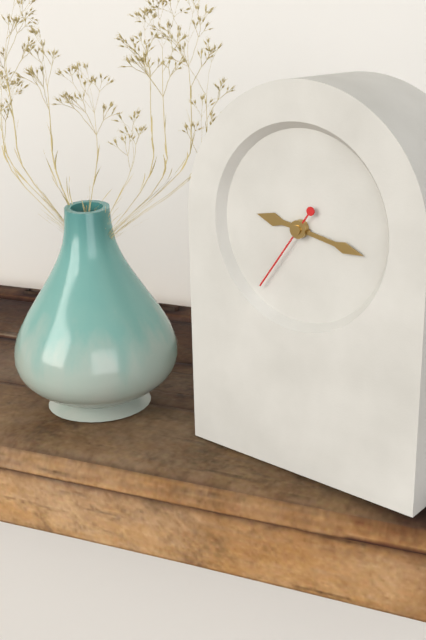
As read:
9,17,36
